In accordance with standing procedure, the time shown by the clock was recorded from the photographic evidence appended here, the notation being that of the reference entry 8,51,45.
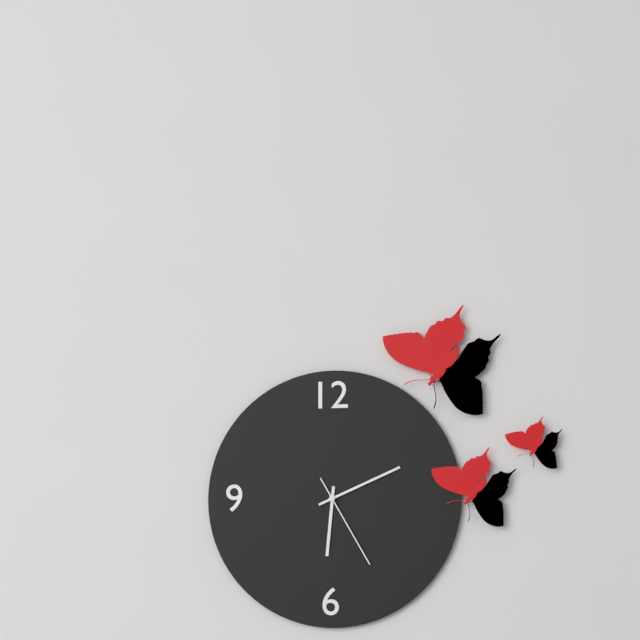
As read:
6,11,25
